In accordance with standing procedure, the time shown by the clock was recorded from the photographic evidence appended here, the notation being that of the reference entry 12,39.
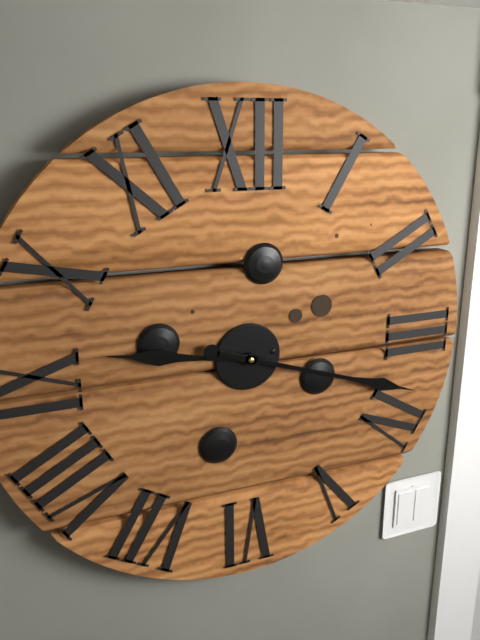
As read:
9,18
